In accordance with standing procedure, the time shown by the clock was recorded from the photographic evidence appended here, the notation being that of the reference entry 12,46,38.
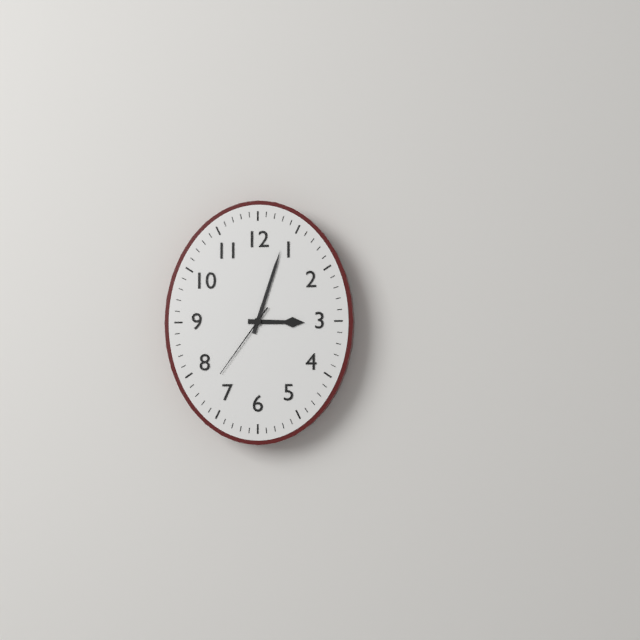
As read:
3,03,36
